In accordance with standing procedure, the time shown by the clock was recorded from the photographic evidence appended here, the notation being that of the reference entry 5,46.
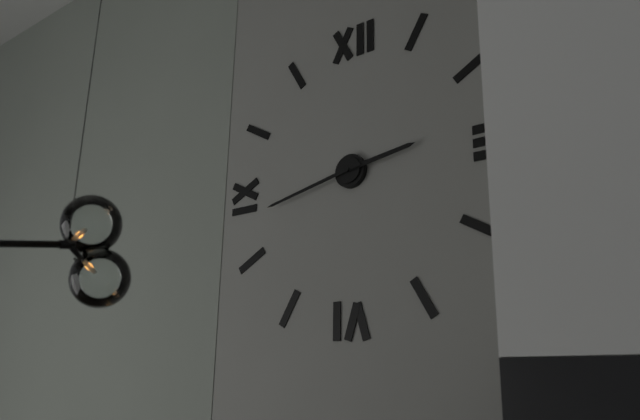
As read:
2,43
